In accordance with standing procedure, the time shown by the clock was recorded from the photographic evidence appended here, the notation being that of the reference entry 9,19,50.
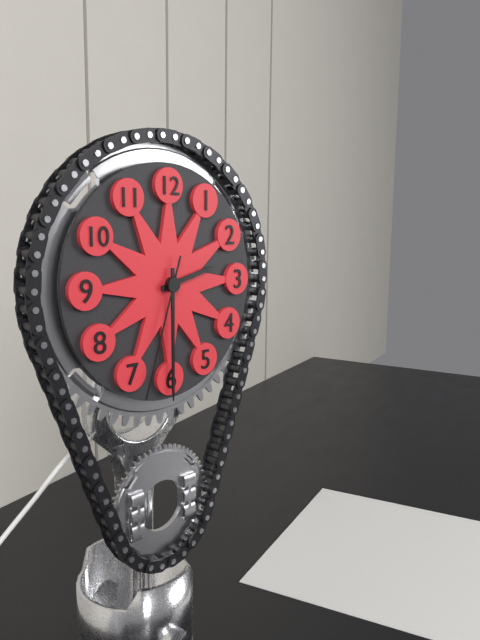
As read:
2,30,33
